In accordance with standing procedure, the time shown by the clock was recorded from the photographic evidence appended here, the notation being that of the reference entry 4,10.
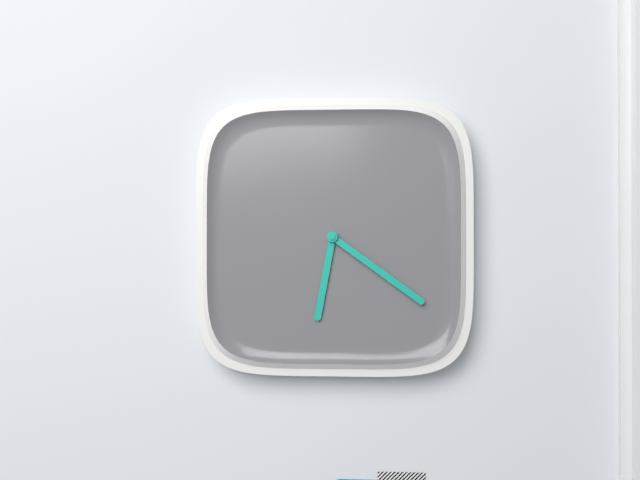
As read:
6,21
